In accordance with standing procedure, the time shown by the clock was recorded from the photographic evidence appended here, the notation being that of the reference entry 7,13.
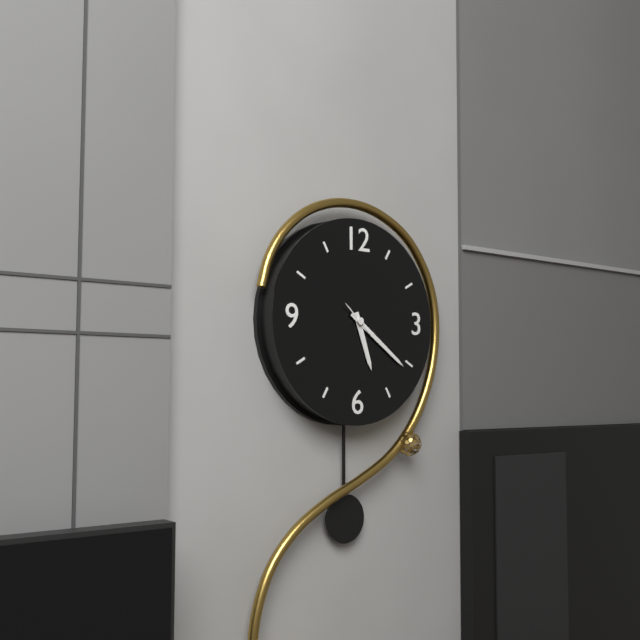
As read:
5,21
